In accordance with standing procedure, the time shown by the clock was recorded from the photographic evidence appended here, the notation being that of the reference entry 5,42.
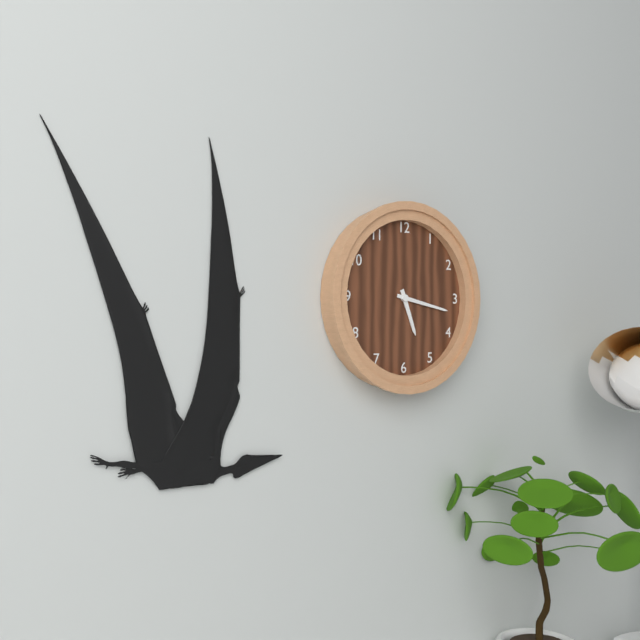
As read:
5,17
